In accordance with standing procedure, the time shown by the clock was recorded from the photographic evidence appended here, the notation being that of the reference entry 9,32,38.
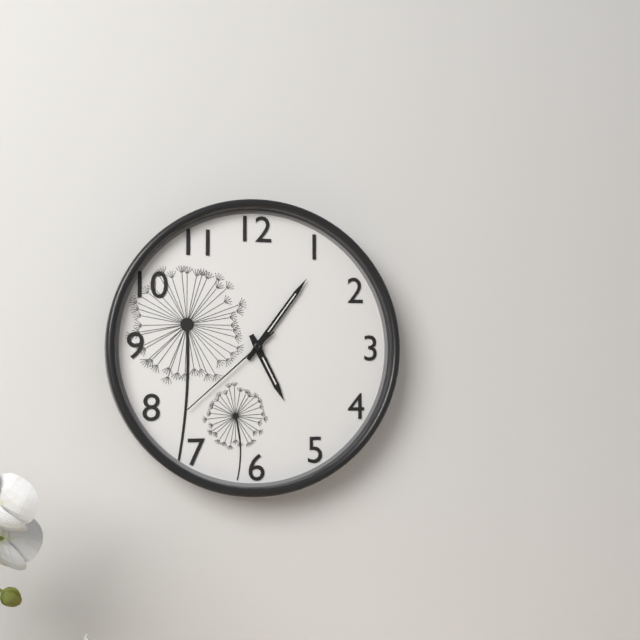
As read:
5,06,38
